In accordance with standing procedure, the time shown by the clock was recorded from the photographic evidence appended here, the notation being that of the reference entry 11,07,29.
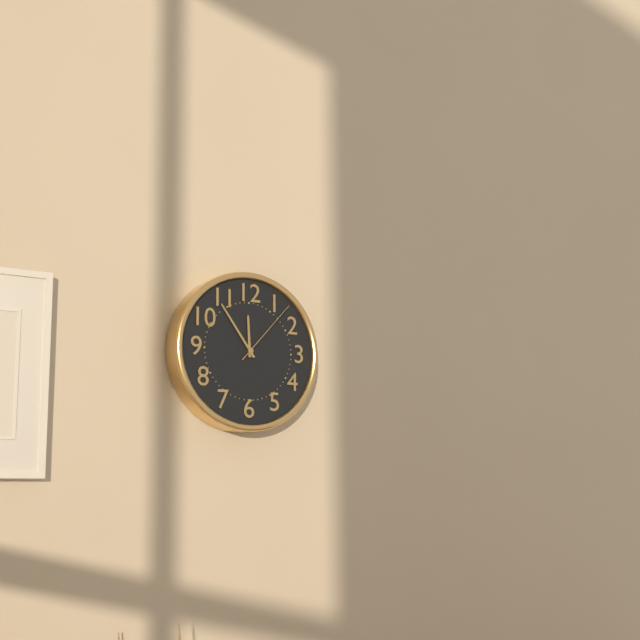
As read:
11,54,07
